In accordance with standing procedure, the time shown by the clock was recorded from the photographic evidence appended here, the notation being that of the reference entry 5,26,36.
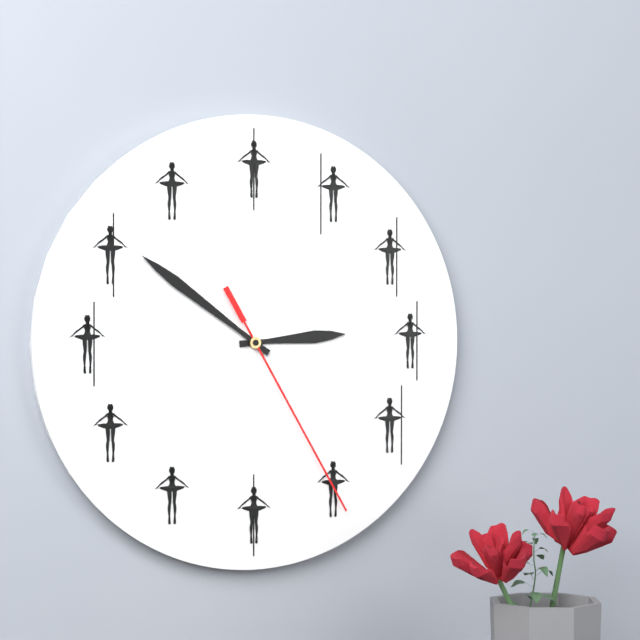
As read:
2,51,25
